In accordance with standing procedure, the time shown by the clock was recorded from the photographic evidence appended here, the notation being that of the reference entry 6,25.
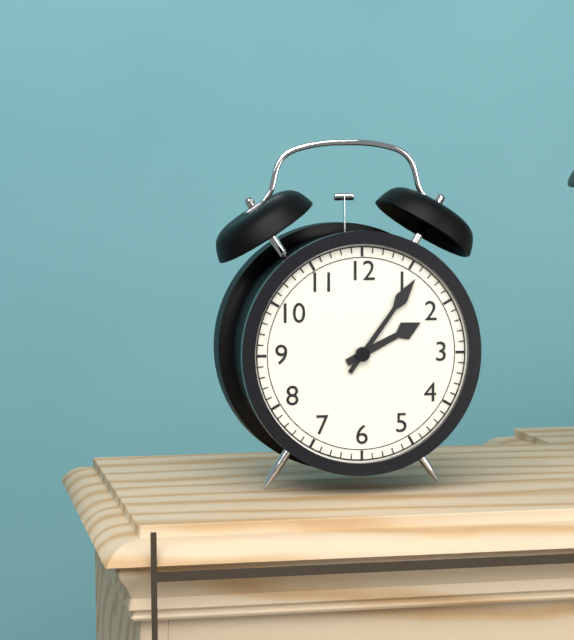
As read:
2,06
